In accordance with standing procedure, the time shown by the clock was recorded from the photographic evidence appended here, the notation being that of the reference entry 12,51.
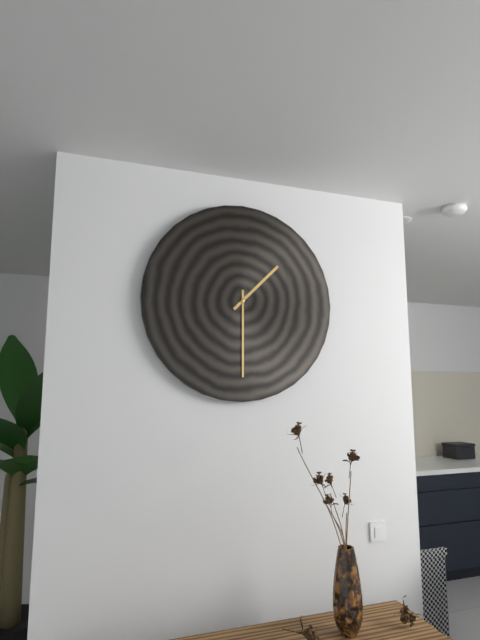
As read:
1,30
